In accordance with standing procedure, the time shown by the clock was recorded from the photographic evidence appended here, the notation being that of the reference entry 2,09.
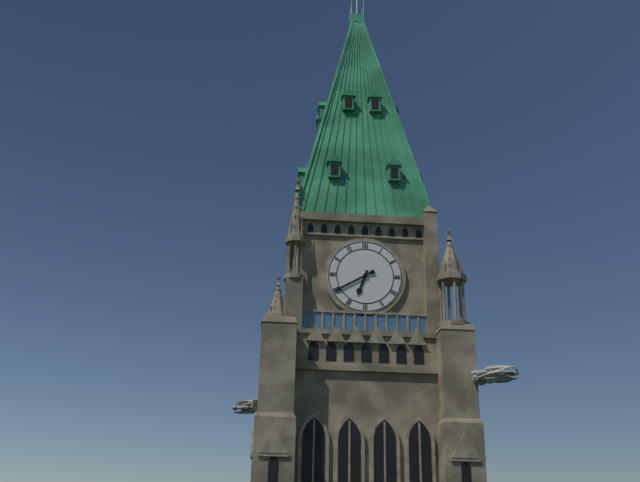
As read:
6,40
